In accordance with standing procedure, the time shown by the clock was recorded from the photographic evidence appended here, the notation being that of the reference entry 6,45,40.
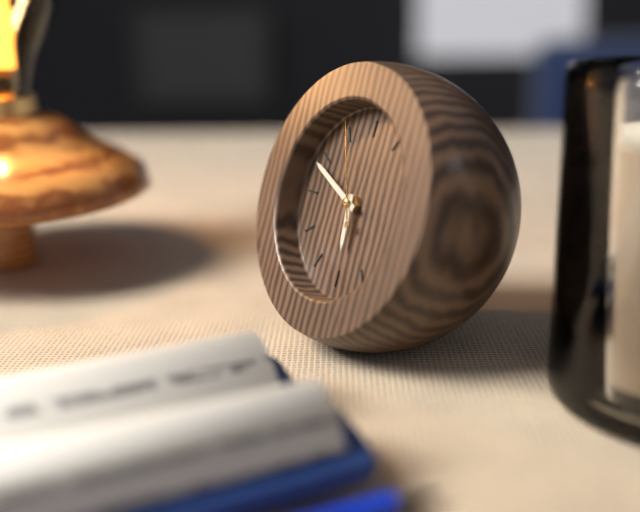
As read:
5,49,56
